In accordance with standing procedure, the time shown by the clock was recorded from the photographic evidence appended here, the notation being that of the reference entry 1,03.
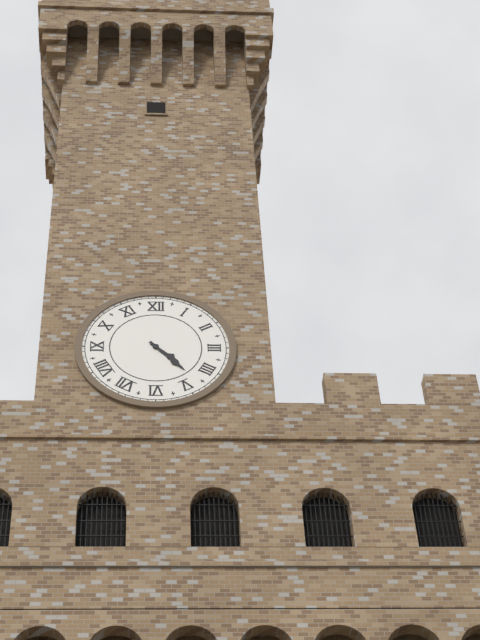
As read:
4,23
